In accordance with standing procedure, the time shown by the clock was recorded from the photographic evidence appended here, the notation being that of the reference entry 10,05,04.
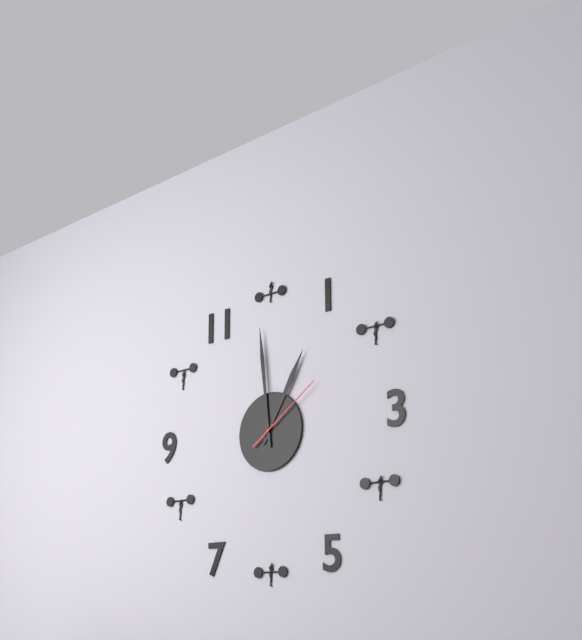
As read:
12,59,09
